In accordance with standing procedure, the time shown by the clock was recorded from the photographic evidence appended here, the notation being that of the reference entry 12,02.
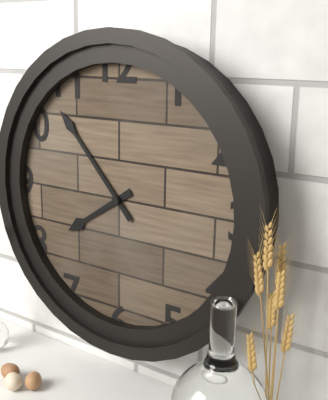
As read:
7,53
